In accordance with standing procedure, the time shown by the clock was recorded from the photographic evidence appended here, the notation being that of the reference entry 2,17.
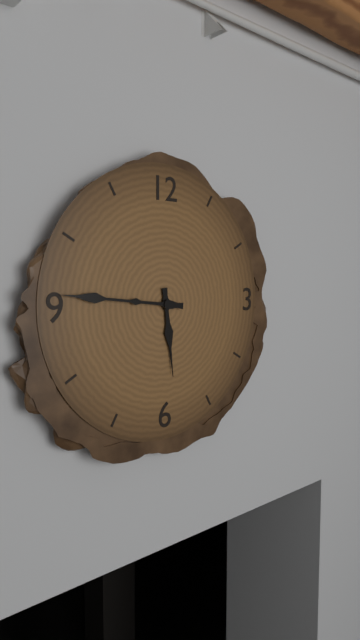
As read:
5,46
